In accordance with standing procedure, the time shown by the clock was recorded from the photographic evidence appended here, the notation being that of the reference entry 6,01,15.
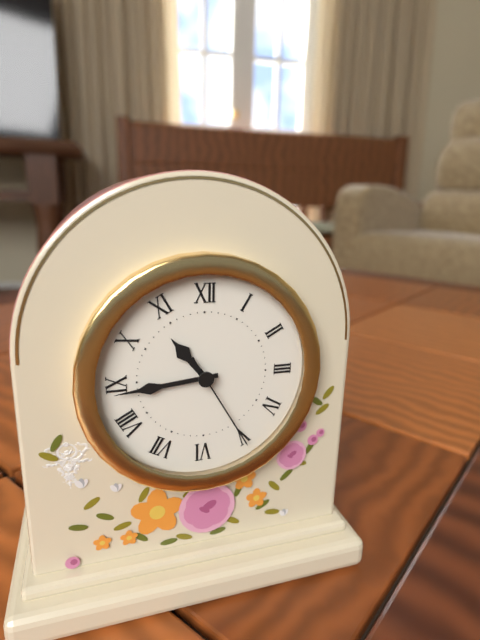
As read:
10,44,25
